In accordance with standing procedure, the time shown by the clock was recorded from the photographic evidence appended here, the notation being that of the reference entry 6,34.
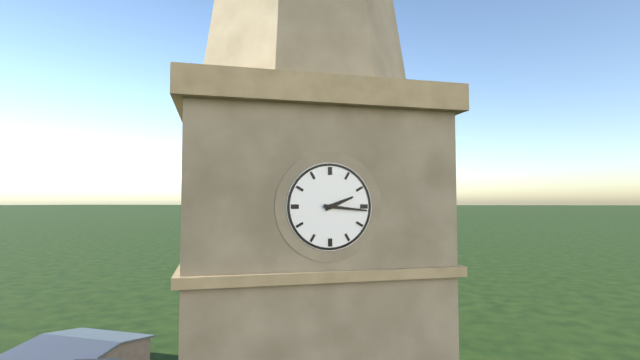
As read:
2,16
